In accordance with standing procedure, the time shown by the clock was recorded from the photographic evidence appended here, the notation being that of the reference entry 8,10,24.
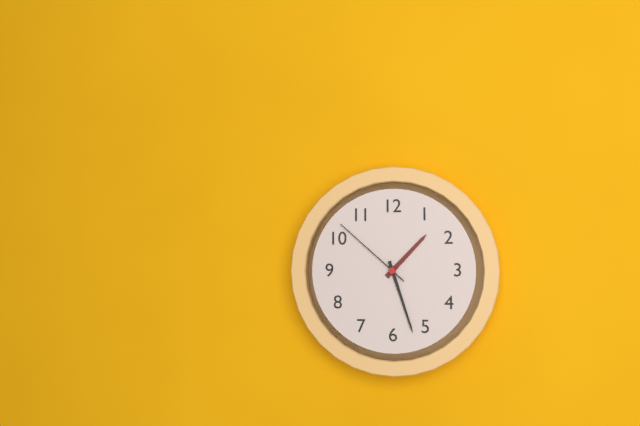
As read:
1,27,52
